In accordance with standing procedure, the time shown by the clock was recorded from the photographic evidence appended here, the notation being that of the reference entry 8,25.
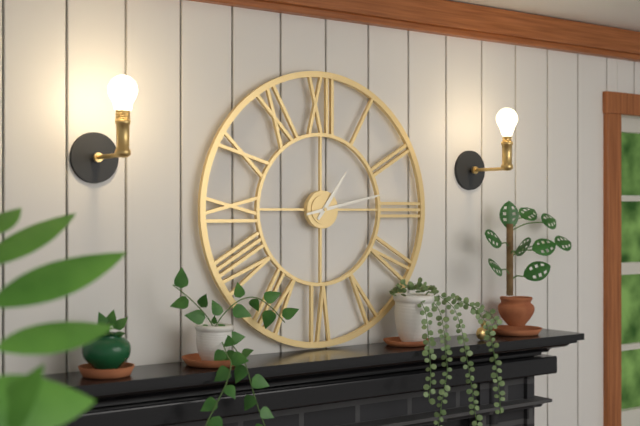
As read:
1,13
